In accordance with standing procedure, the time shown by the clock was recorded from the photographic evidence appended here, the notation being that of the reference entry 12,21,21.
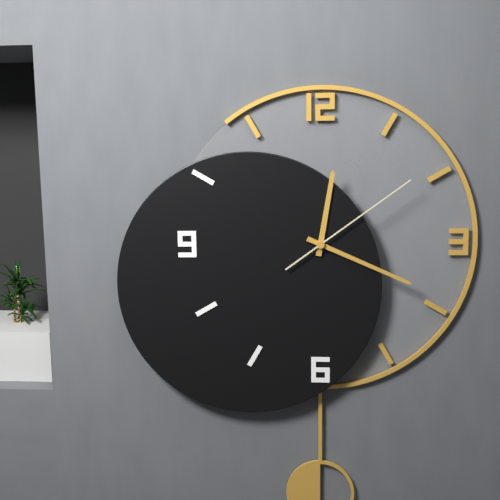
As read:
12,19,09
